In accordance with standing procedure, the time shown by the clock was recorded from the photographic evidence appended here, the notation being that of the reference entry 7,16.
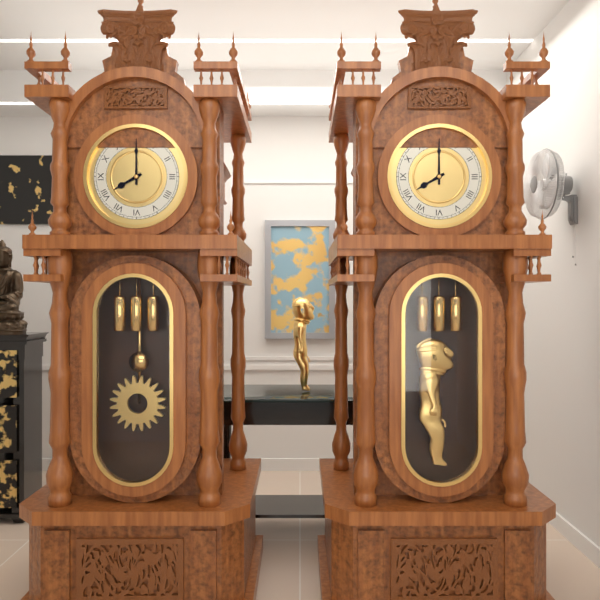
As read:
8,00
